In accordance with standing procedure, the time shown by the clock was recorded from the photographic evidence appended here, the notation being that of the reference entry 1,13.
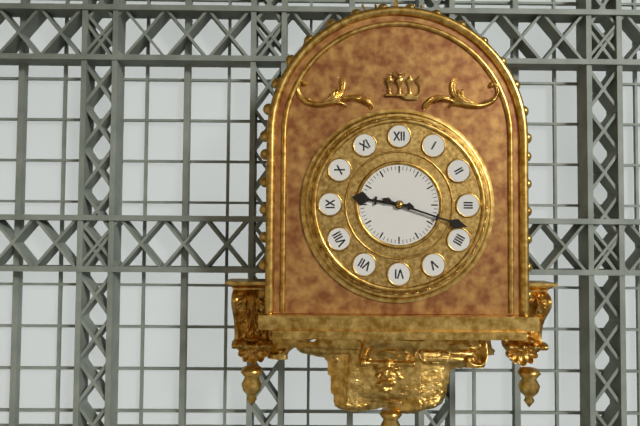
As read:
9,18
